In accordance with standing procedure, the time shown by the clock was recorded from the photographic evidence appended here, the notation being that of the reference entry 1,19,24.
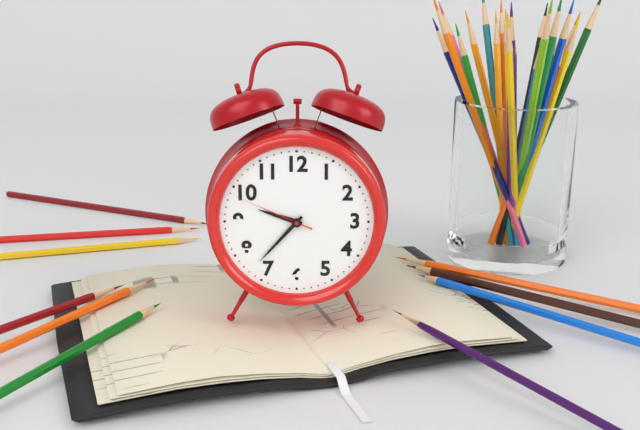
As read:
9,37,49
